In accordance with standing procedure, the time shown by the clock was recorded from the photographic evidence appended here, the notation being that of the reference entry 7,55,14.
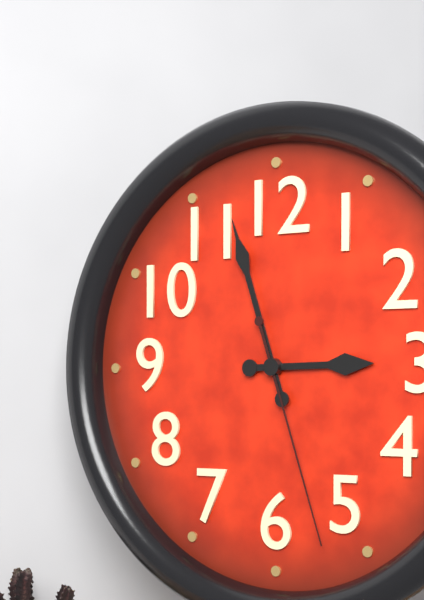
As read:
2,57,27
